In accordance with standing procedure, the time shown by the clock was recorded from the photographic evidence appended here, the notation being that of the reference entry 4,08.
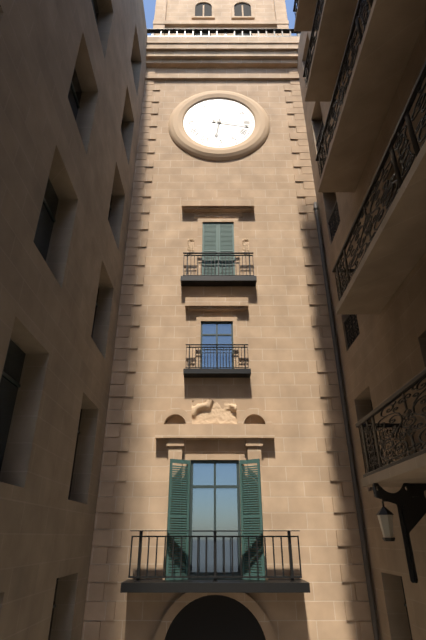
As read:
6,17
